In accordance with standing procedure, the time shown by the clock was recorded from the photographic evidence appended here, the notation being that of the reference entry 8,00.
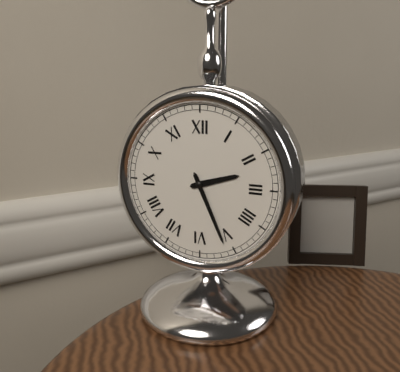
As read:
2,26
